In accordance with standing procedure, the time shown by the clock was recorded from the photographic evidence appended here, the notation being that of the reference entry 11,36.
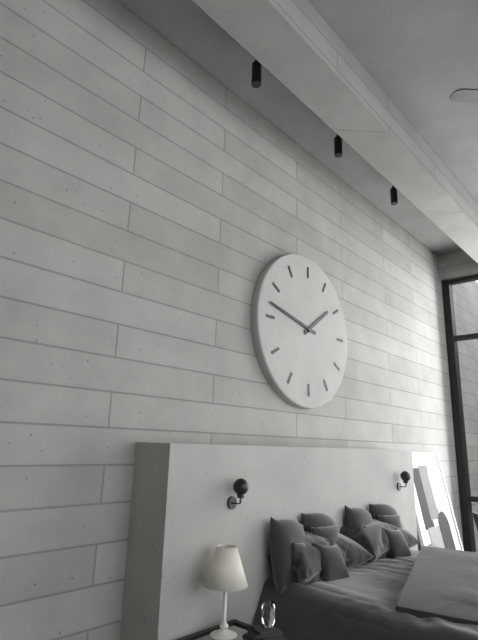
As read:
1,47
